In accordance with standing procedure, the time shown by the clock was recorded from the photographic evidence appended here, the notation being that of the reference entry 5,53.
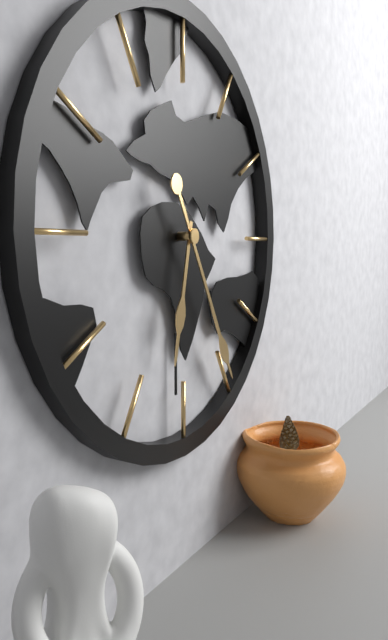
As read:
6,25
